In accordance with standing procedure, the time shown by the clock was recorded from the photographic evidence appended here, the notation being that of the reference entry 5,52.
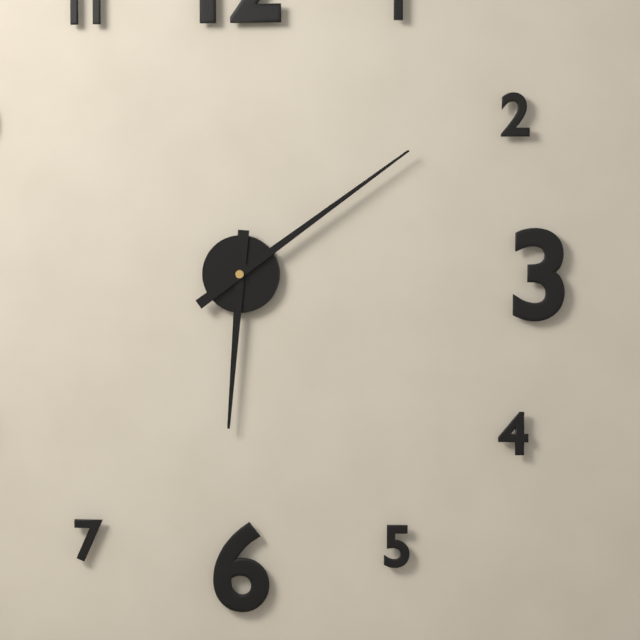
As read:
6,09
